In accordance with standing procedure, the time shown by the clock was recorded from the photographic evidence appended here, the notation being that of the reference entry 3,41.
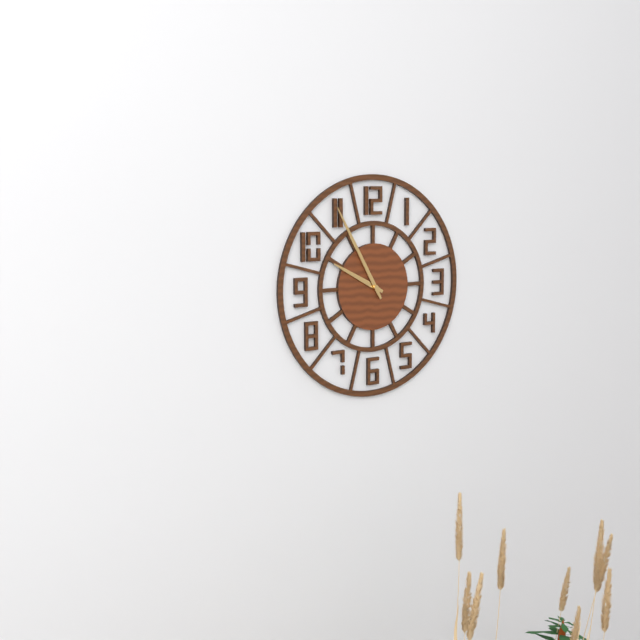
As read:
9,55
